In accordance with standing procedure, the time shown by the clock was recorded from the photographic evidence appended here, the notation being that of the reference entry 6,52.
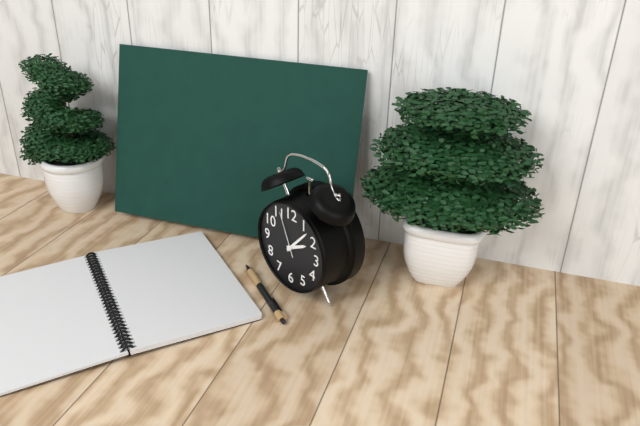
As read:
2,07
